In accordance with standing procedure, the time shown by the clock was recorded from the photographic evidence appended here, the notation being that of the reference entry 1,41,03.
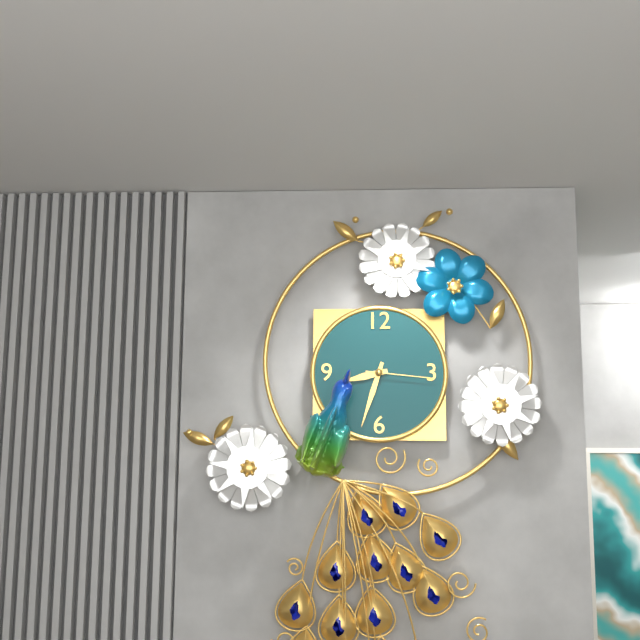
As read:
8,33,16
